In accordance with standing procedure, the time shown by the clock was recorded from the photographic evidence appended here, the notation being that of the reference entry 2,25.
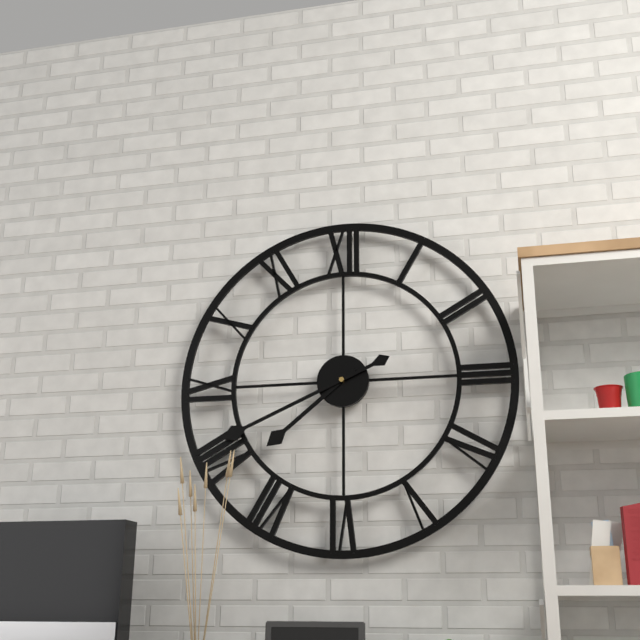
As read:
7,41
